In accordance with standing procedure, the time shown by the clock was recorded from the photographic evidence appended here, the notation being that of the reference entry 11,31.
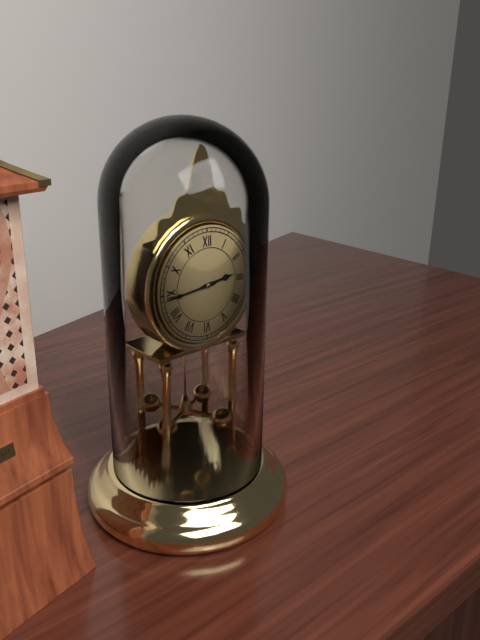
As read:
2,44
